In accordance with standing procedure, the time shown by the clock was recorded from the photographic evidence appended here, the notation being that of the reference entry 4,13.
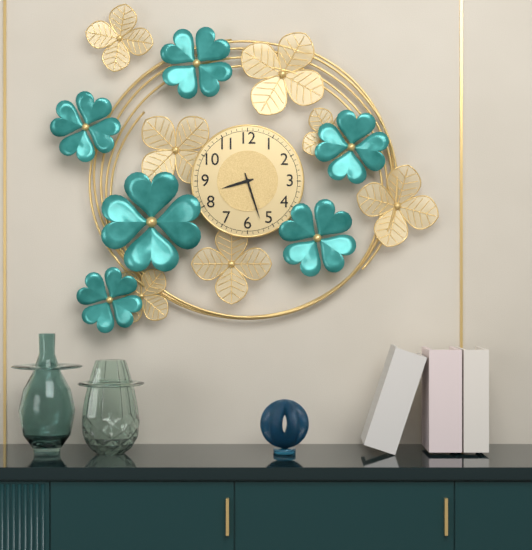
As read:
8,27
